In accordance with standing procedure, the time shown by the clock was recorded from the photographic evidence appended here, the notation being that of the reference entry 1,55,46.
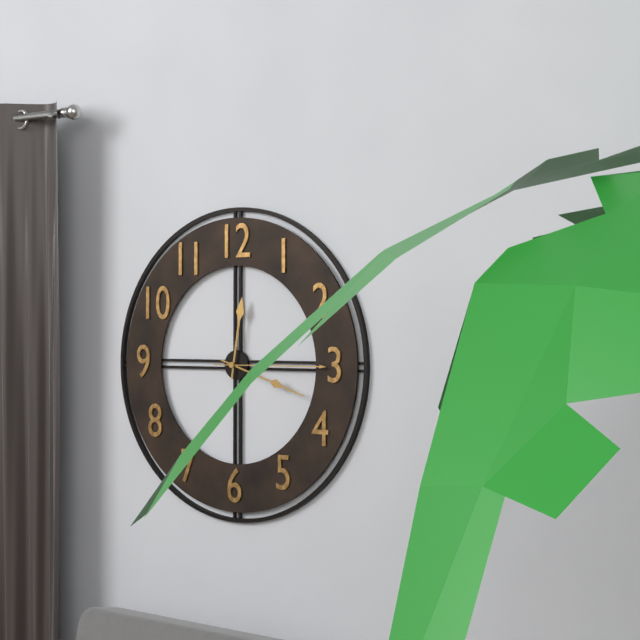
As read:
12,18,15
